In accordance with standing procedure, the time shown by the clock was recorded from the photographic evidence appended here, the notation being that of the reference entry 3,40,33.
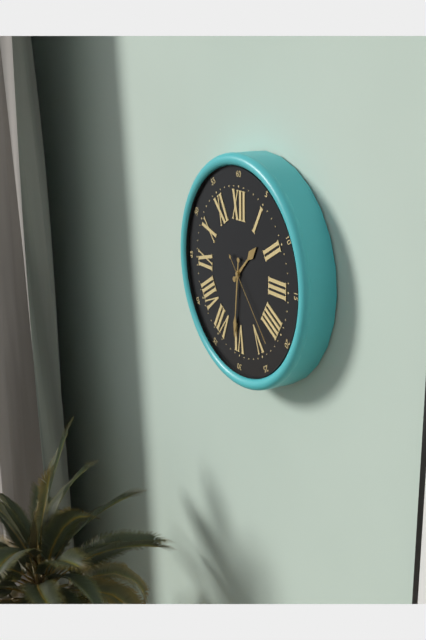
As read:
1,31,23
